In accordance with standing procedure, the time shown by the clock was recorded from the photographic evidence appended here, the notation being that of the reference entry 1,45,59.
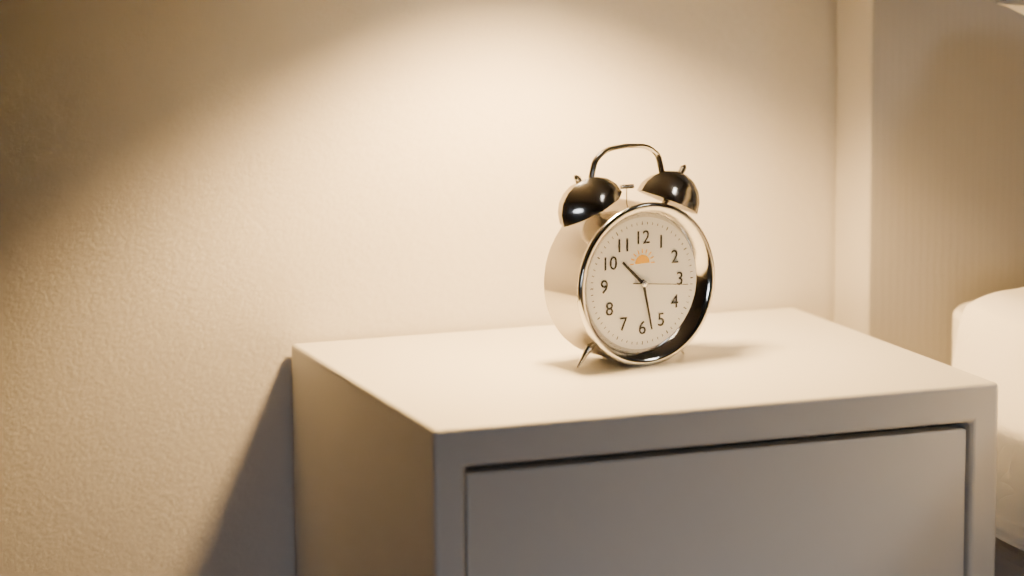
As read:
10,28,16
